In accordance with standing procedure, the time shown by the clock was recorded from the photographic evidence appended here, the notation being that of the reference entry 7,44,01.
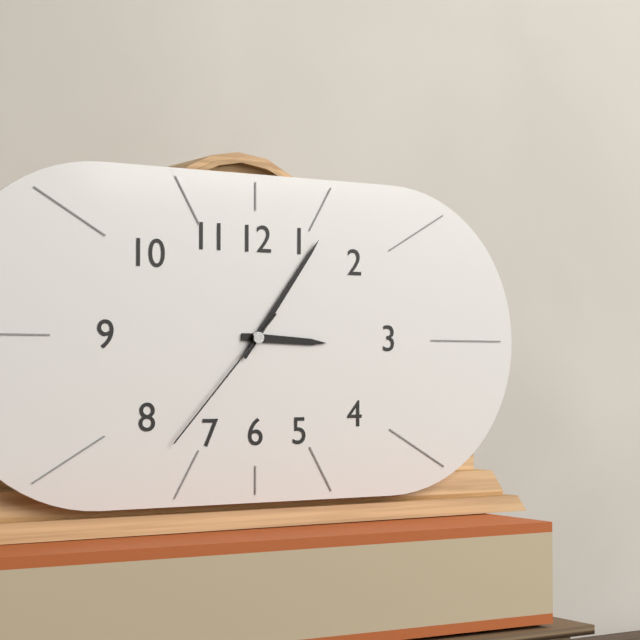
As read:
3,06,37
